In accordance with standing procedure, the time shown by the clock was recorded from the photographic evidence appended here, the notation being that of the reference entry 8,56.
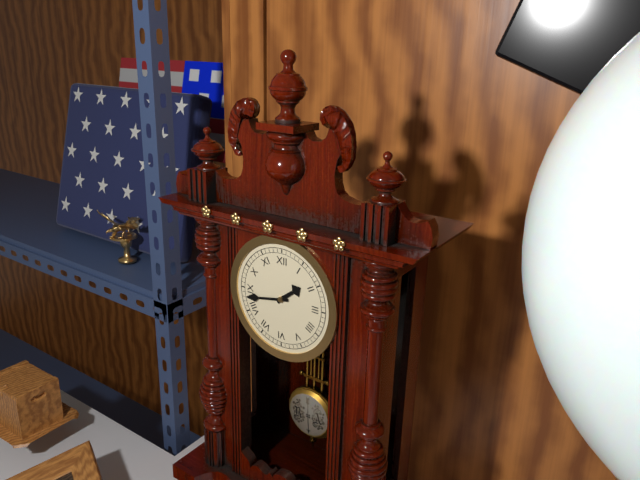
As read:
1,43
